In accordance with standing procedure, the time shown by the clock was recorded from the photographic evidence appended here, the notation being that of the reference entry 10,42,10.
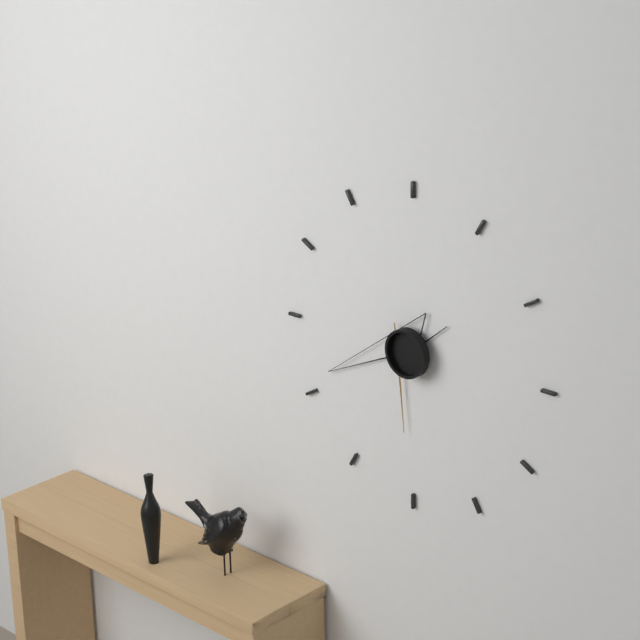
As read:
1,41,31
